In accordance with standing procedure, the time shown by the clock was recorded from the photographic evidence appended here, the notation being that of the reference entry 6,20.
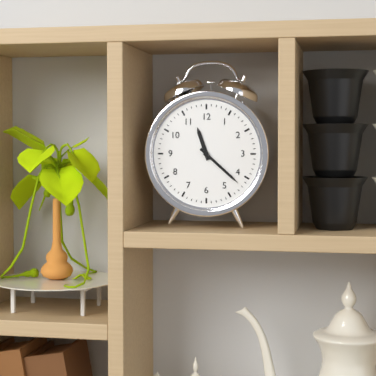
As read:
11,22
